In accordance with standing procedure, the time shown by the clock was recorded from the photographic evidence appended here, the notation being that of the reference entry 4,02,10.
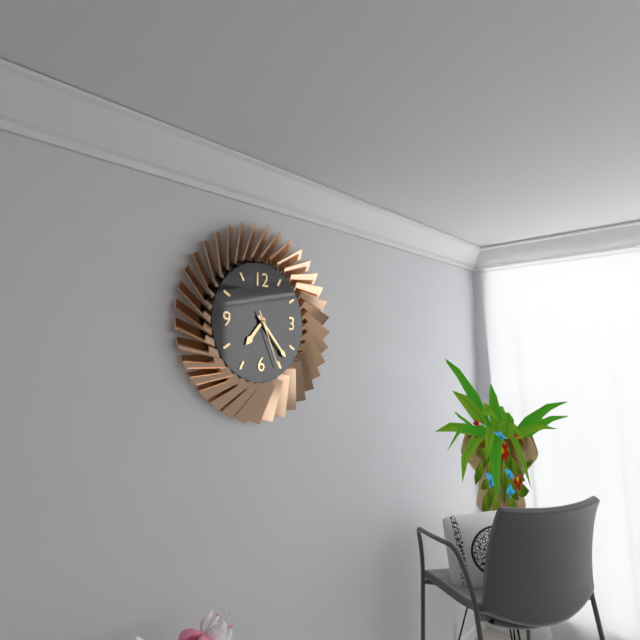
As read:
7,23,26
